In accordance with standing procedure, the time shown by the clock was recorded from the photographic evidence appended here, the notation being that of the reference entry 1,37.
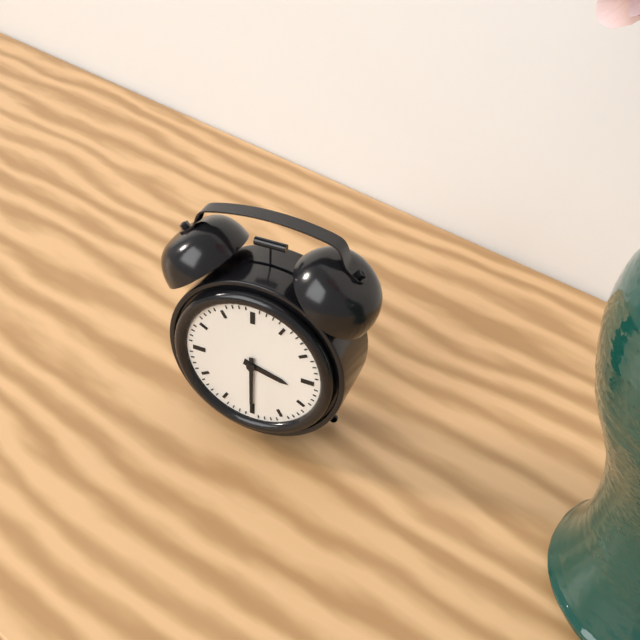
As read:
3,30
